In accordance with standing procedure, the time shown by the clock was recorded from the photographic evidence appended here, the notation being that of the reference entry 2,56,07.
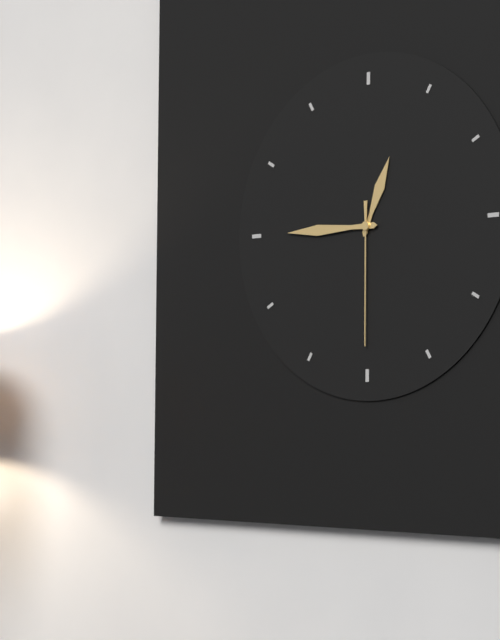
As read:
12,45,30
